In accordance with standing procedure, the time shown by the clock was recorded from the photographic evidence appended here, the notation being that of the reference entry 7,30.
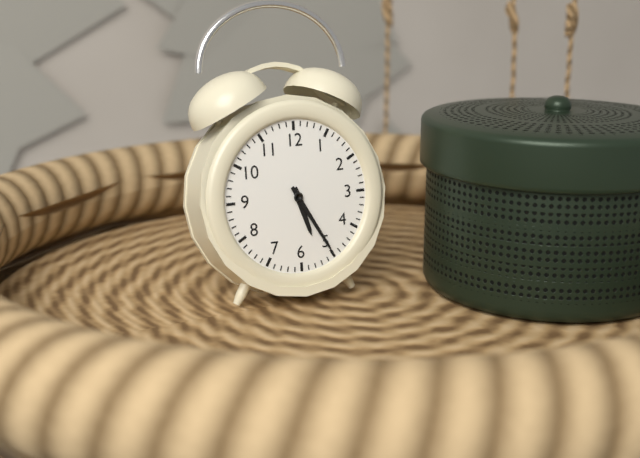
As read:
5,25
